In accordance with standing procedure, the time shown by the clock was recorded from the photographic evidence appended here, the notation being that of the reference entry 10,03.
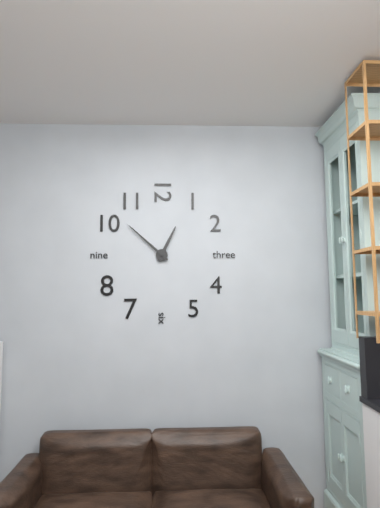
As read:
12,52
